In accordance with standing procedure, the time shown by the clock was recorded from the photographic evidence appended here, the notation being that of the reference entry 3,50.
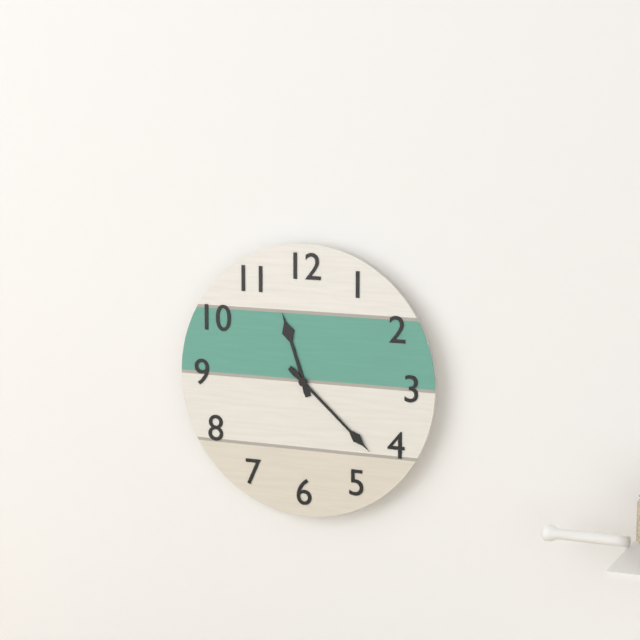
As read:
11,22
